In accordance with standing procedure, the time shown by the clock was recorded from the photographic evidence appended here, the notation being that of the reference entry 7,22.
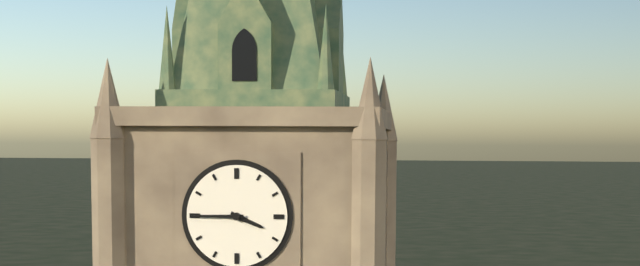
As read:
3,45
